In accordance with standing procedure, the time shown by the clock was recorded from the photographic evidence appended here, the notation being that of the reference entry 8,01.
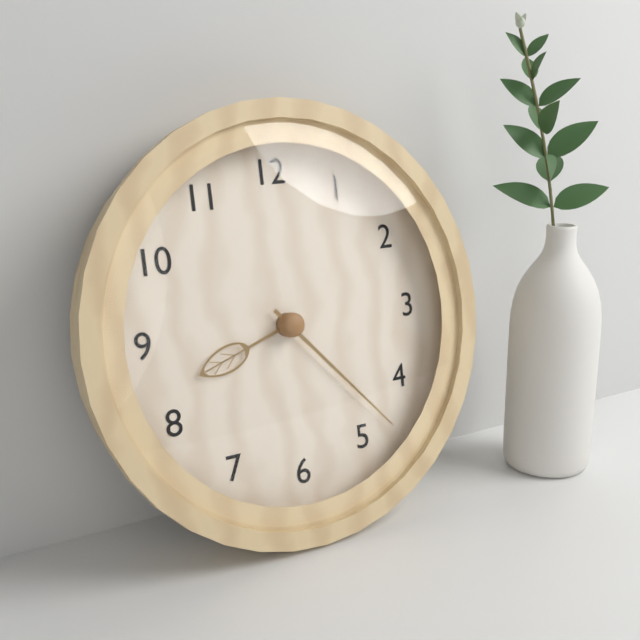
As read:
8,23
